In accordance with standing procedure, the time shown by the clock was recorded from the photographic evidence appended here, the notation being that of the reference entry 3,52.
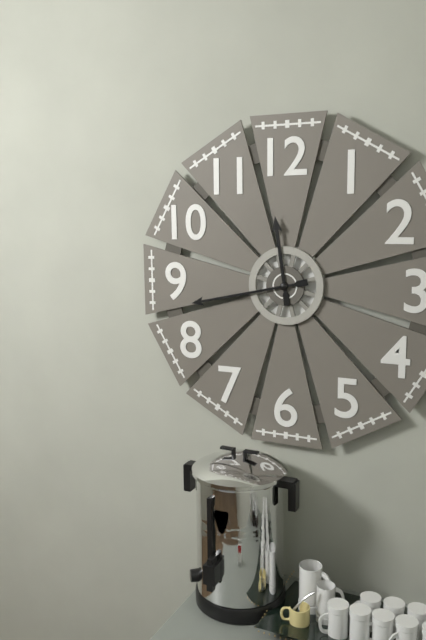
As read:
11,43
